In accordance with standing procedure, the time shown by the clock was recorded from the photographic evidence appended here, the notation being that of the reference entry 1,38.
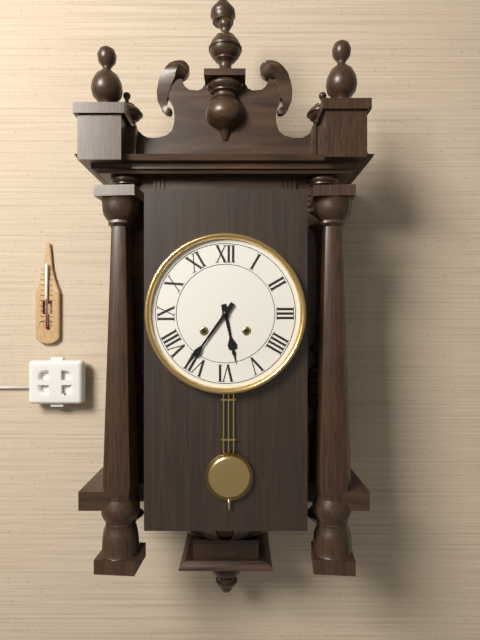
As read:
5,36
